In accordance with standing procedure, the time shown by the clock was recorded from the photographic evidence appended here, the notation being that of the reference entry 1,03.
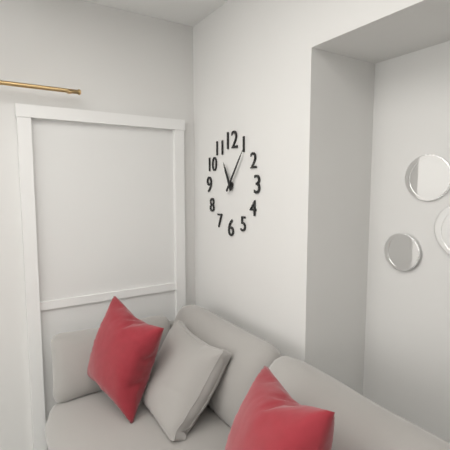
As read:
11,06
